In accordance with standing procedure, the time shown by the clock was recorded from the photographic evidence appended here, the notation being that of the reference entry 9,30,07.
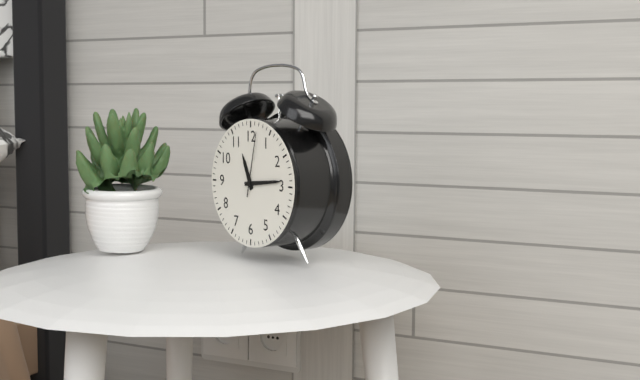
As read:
11,14,02
